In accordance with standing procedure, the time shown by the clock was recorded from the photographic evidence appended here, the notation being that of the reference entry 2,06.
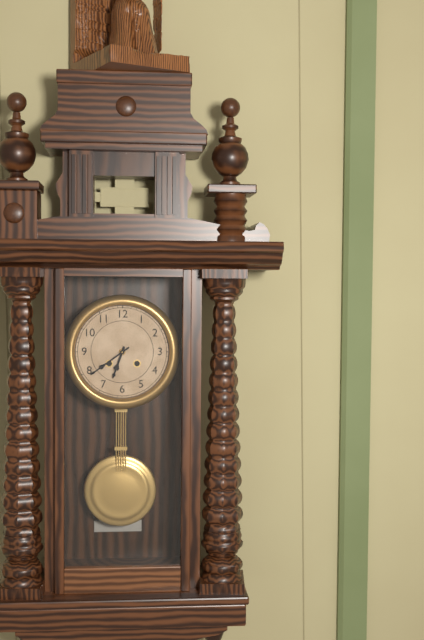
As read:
6,39
